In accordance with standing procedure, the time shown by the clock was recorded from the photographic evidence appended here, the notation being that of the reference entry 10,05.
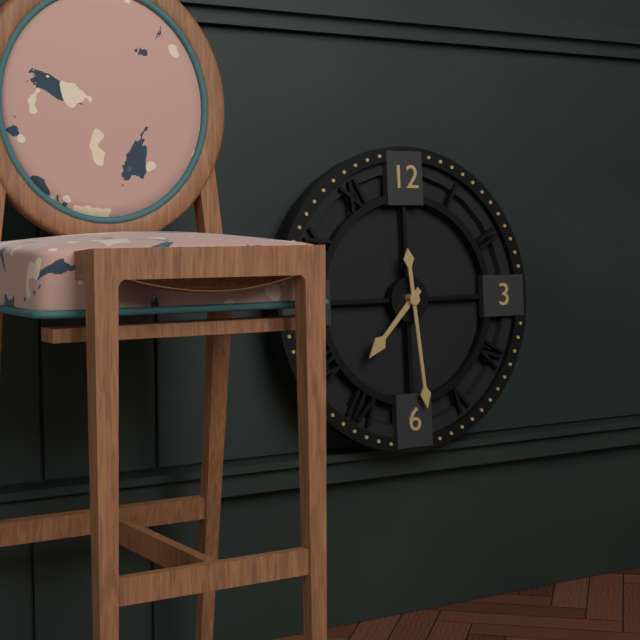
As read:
7,29
